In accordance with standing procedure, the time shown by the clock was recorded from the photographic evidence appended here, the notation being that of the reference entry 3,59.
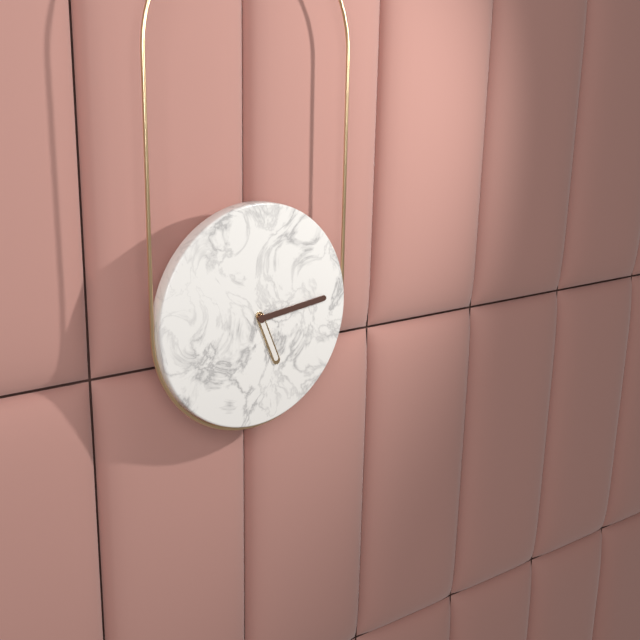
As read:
5,14
